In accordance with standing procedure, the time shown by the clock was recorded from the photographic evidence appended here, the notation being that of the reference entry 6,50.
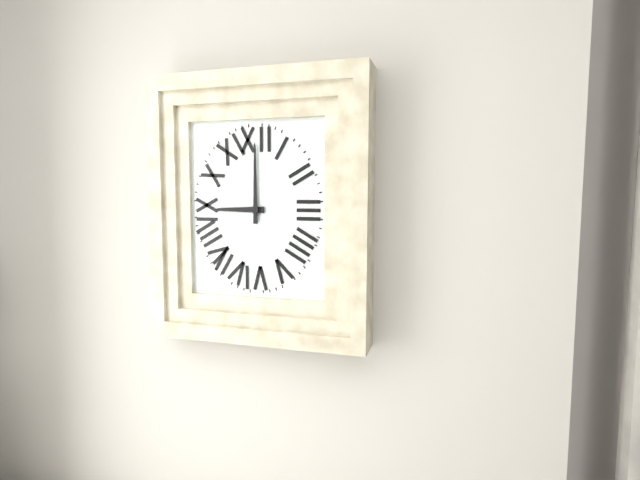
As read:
9,00
